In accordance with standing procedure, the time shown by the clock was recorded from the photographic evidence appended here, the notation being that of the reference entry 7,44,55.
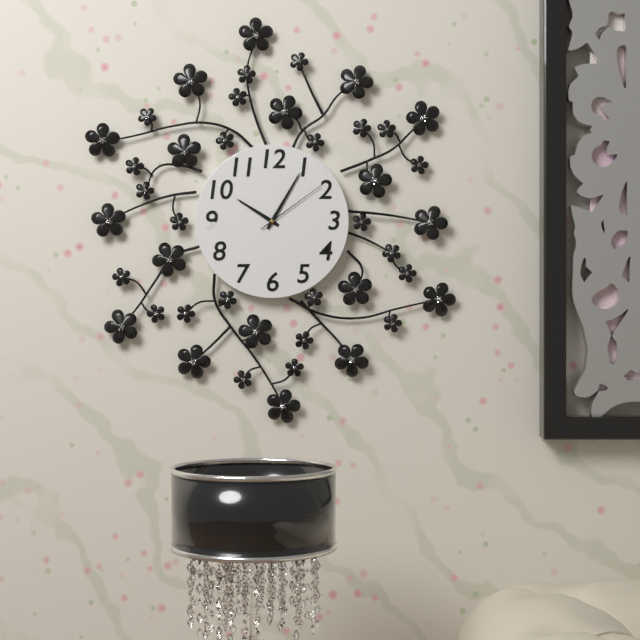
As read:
10,05,09
